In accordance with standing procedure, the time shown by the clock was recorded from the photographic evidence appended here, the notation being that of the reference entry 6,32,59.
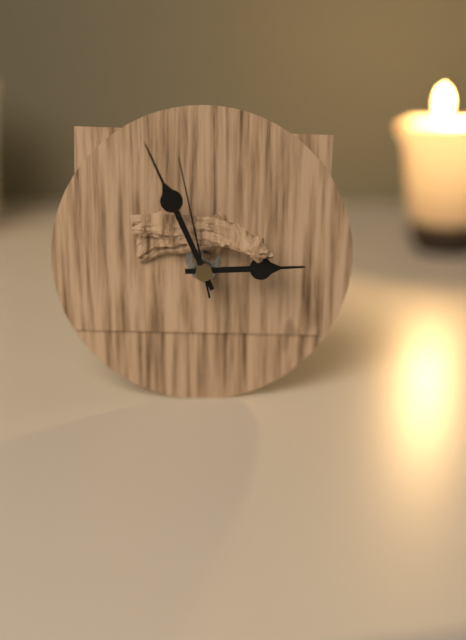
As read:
2,56,58
